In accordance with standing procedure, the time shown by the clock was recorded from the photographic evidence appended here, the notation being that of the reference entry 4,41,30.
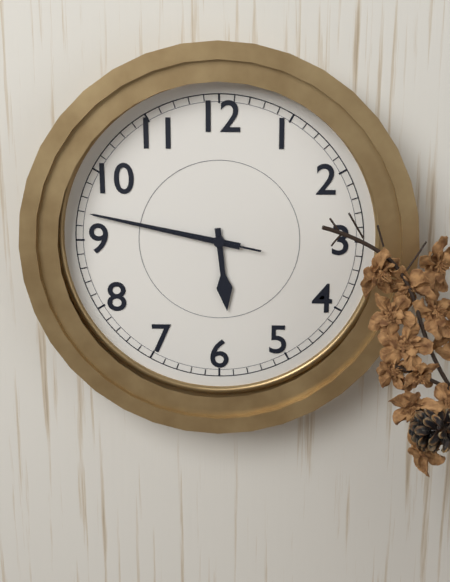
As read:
5,47,47
